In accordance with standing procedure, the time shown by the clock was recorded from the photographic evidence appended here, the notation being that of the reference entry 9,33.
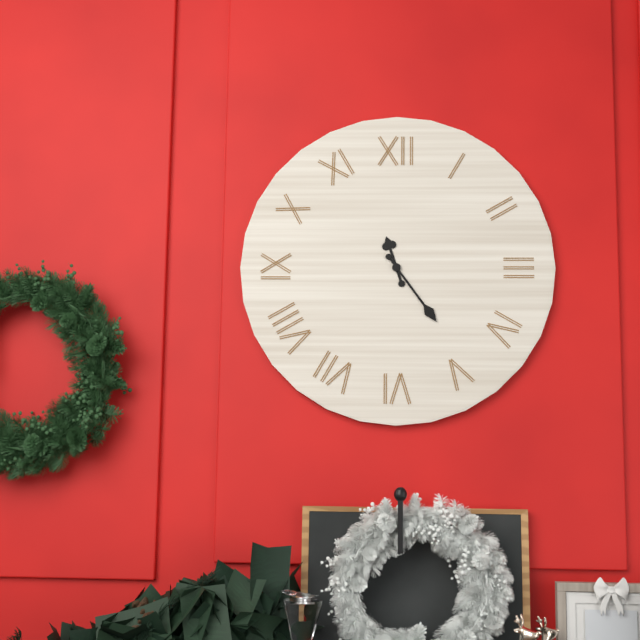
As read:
11,24
